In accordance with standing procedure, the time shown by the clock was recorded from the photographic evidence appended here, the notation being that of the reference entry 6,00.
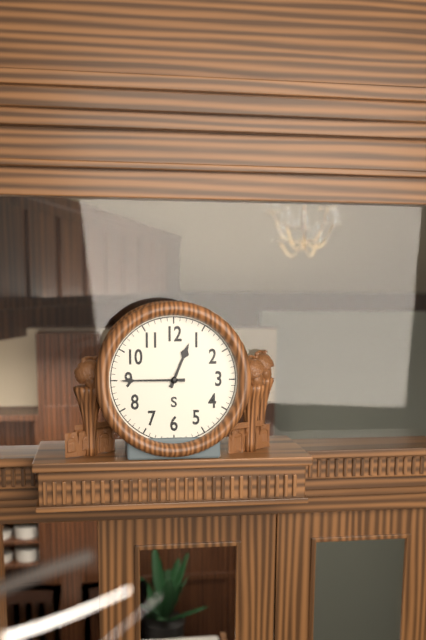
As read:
12,45
